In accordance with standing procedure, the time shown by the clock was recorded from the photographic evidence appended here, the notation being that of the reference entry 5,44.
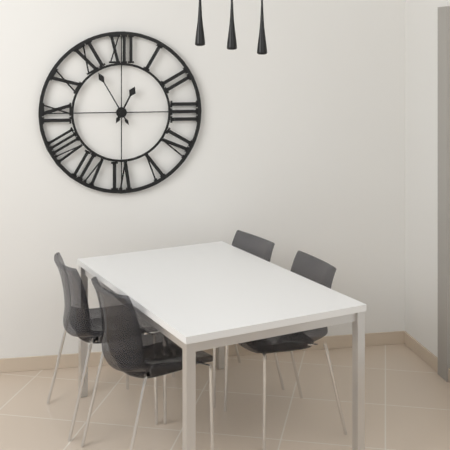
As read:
12,55
